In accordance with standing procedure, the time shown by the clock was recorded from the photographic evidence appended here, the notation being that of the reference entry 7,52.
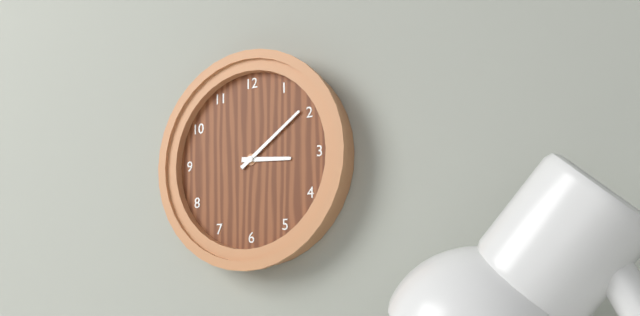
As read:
3,09
